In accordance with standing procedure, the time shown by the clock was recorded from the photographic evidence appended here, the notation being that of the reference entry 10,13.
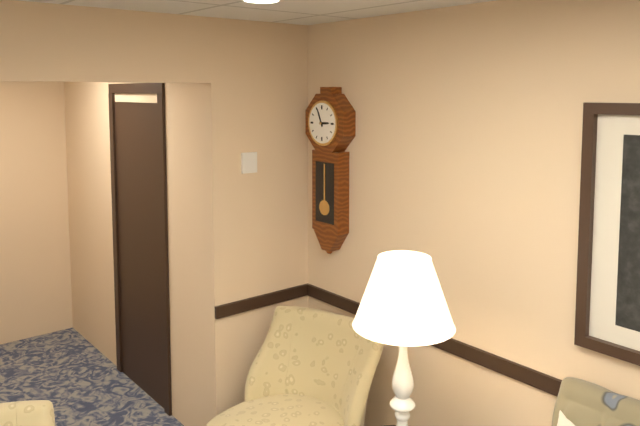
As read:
2,56
